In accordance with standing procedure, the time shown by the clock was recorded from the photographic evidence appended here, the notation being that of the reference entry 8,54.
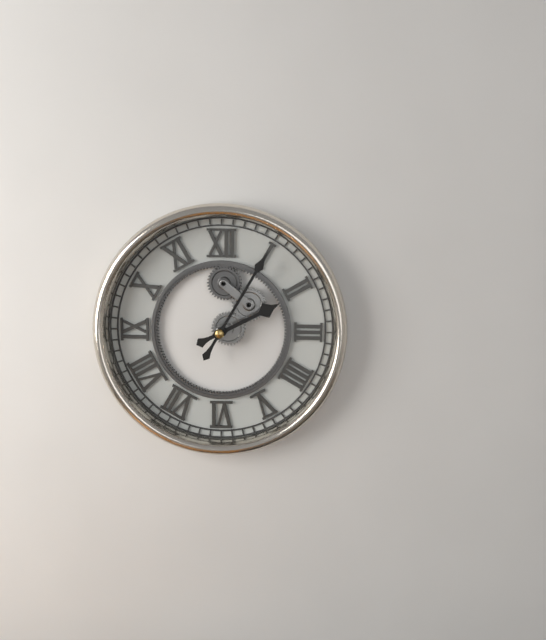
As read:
2,05
